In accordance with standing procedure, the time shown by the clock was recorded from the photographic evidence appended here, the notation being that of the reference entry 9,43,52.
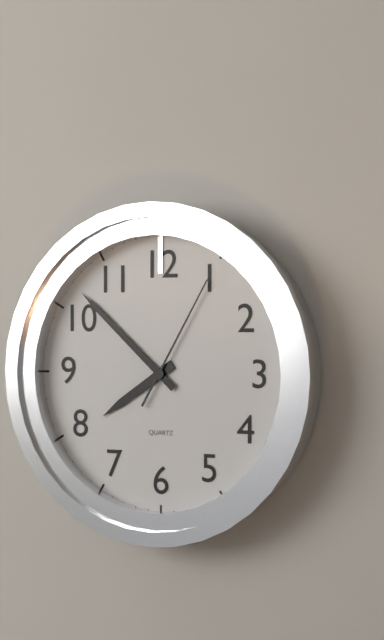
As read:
7,52,05
